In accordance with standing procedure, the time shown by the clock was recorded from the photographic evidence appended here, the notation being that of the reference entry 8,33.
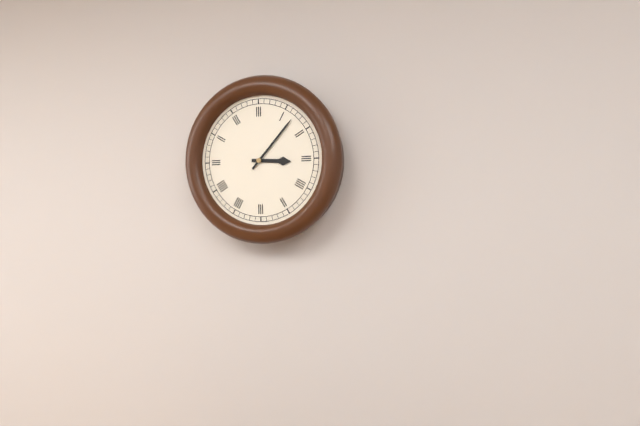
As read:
3,07
